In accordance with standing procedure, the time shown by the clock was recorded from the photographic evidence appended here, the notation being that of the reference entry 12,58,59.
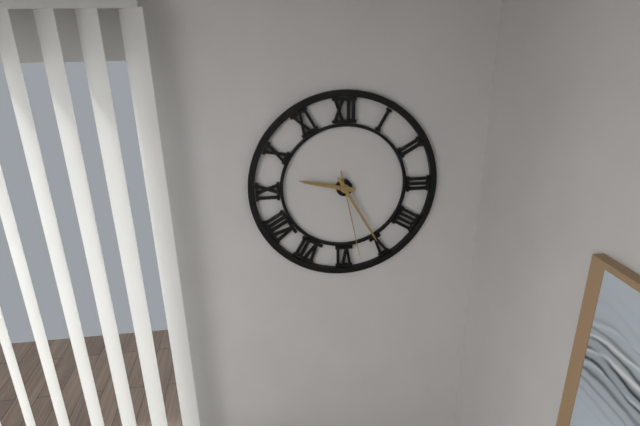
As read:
9,25,28
